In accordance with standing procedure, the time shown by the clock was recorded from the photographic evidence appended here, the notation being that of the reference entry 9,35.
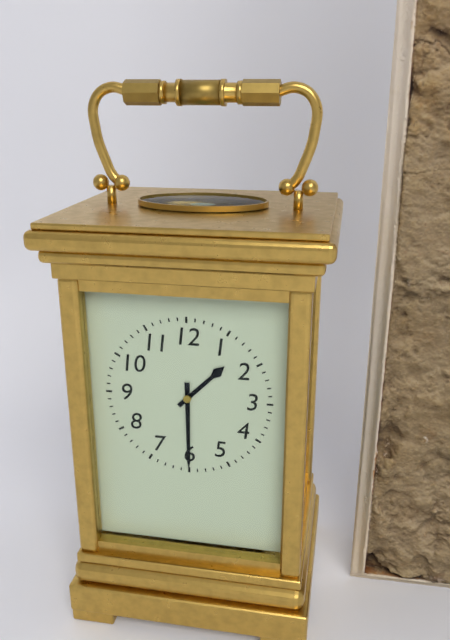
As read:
1,30
